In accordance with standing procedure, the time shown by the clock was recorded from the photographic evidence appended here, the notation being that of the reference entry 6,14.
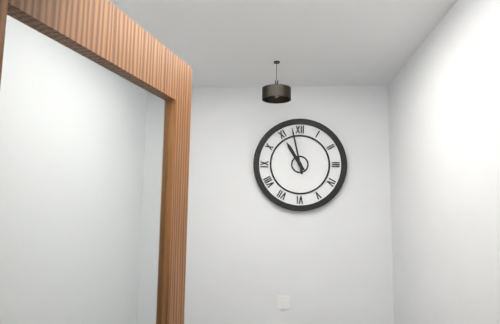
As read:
10,58
